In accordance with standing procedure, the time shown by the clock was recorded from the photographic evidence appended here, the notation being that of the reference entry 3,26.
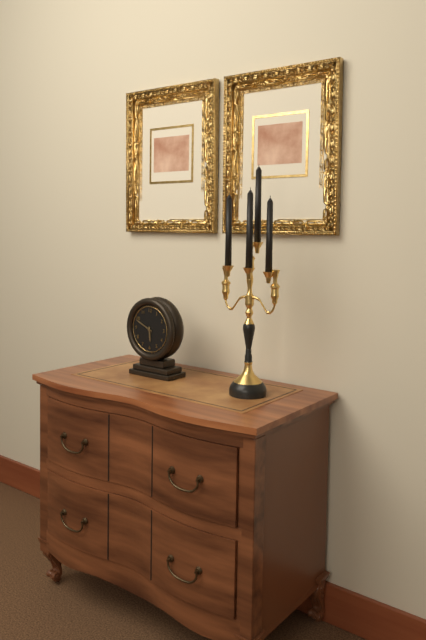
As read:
5,49
